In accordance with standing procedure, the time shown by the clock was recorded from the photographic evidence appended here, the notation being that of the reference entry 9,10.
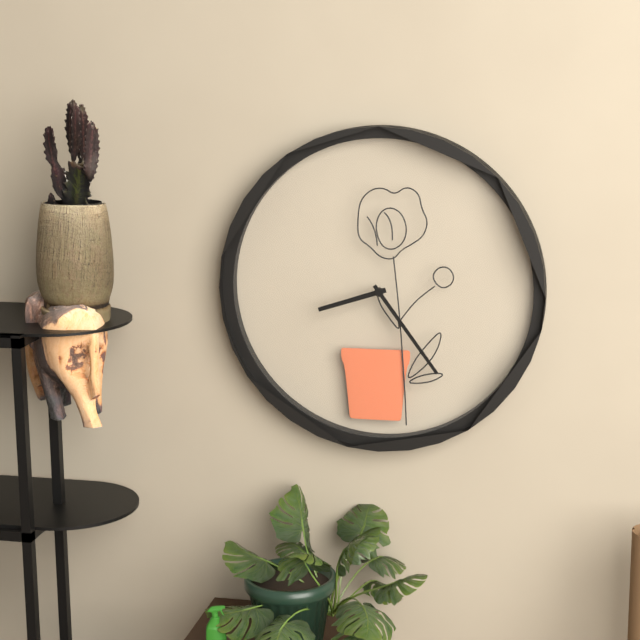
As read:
8,24
